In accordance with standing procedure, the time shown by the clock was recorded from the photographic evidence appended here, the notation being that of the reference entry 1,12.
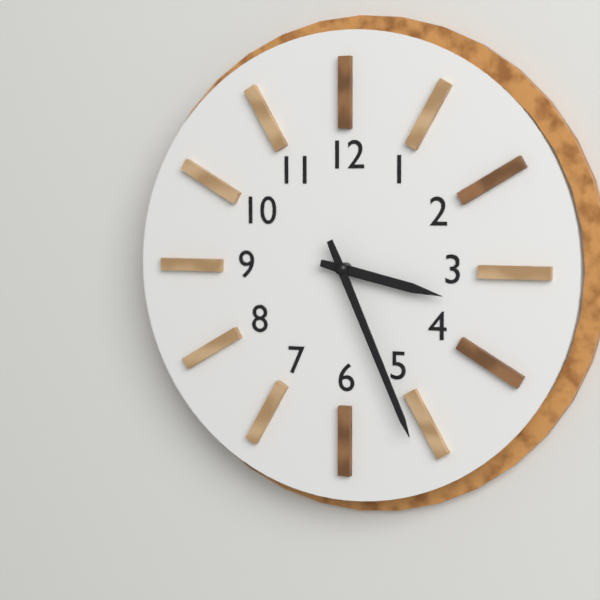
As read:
3,26
